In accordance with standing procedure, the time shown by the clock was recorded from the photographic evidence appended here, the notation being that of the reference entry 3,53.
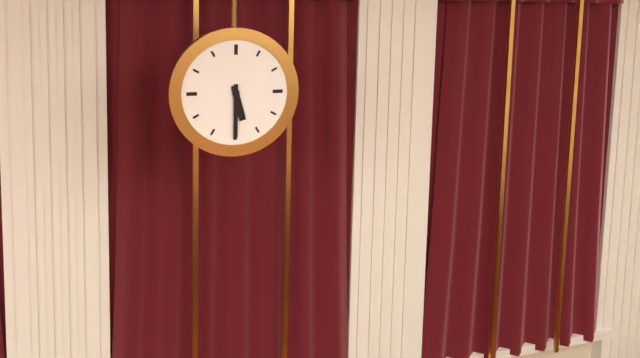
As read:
5,30
